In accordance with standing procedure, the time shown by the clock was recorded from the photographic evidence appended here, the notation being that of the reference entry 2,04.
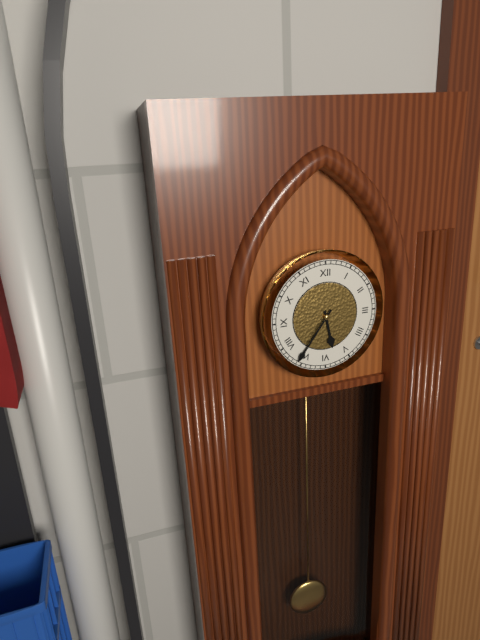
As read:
5,36
